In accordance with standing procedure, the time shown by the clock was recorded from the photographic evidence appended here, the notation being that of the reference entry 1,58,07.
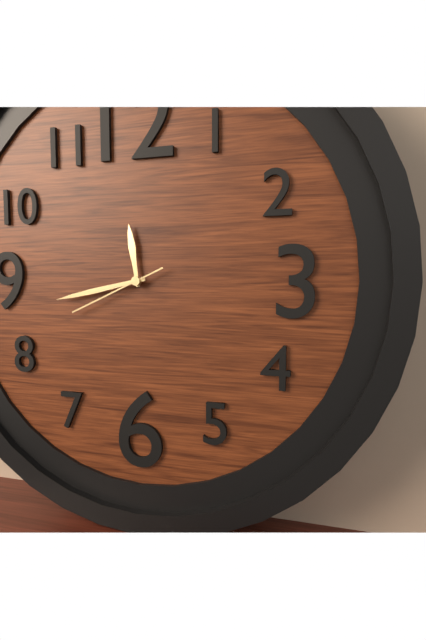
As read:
11,43,41
